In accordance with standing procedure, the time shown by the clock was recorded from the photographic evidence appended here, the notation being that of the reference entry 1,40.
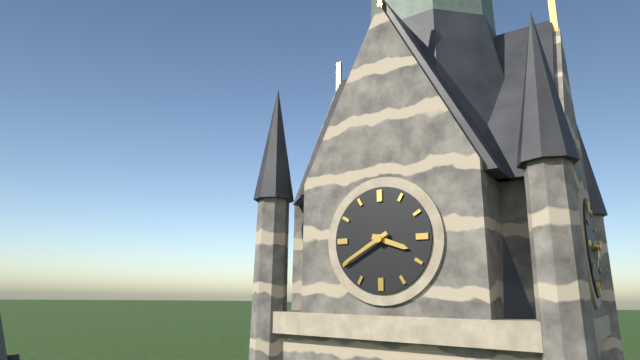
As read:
3,40
